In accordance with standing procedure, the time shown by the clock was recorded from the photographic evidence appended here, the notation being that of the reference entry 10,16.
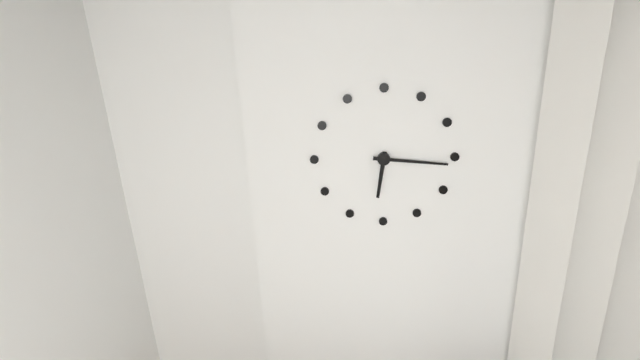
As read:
6,16
